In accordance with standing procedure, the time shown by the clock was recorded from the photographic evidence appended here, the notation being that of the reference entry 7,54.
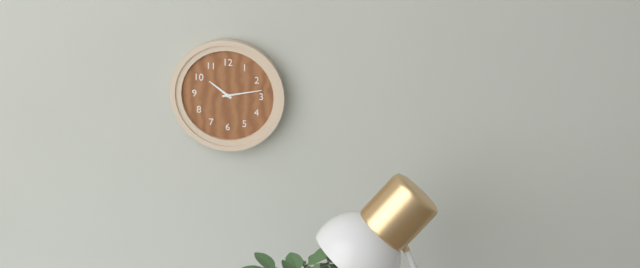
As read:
10,13
